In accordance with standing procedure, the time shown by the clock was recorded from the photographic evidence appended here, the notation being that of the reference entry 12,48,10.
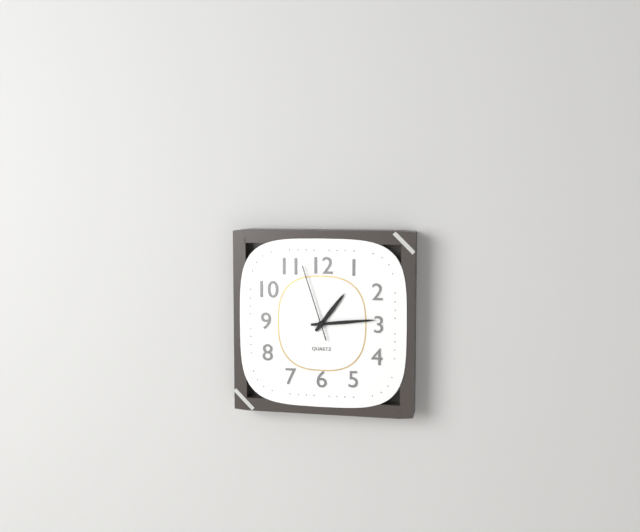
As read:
1,14,57
